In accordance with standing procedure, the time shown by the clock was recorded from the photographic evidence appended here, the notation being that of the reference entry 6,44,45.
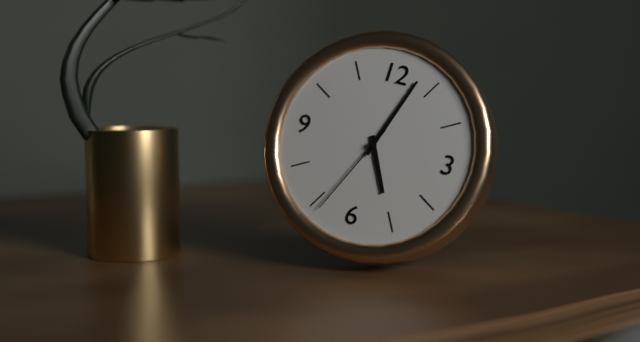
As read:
5,03,34
